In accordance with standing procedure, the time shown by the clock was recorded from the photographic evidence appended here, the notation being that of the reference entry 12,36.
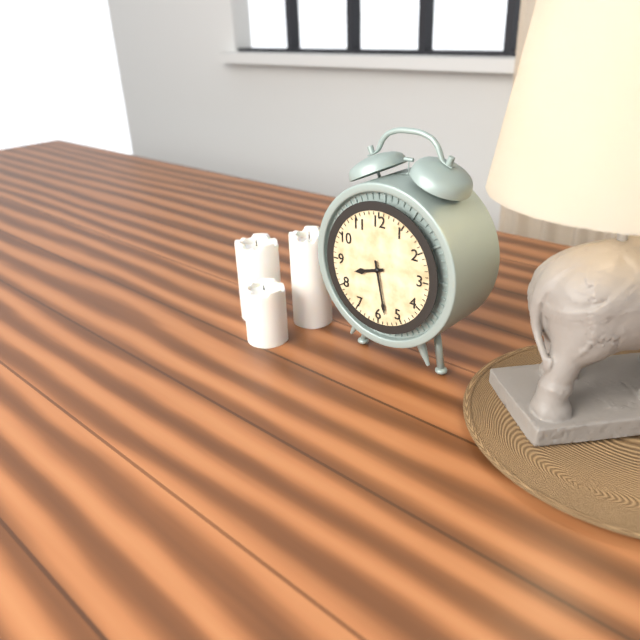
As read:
8,28
